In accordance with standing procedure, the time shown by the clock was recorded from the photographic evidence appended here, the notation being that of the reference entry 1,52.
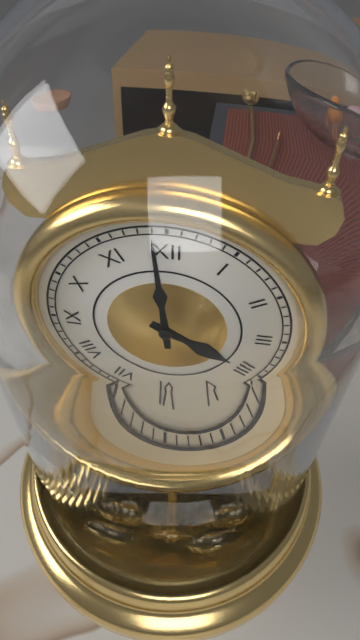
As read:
3,59
